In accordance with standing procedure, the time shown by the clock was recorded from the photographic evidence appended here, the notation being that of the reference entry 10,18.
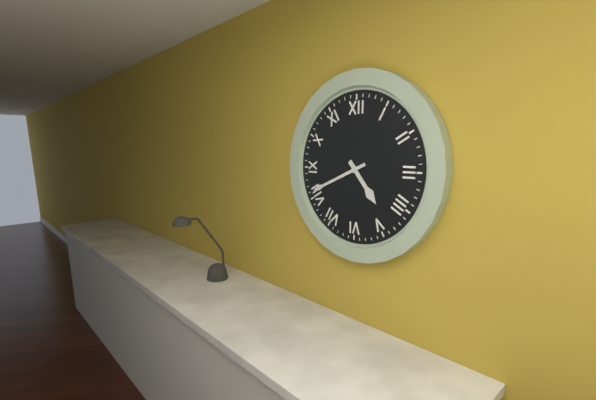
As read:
4,41
